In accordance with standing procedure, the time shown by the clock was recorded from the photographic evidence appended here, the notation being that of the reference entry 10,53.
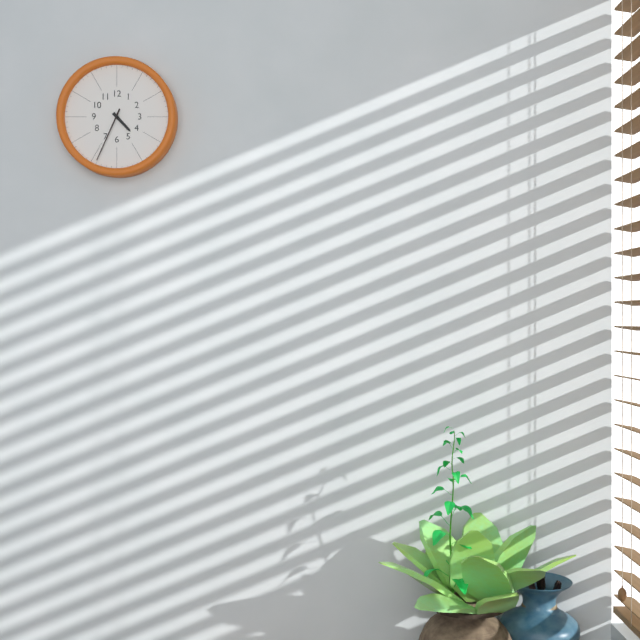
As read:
4,34
